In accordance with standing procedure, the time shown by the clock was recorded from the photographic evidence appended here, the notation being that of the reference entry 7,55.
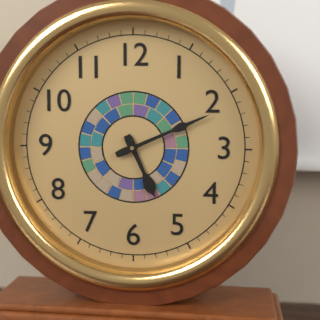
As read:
5,11
